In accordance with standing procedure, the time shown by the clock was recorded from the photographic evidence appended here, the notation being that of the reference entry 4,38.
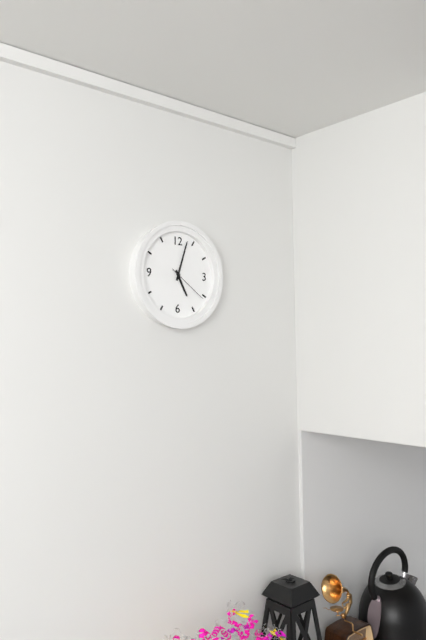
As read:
5,03
